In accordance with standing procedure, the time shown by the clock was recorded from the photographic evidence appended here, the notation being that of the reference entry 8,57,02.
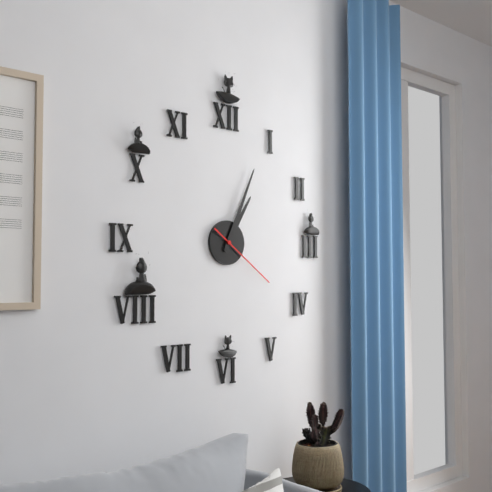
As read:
1,04,21
